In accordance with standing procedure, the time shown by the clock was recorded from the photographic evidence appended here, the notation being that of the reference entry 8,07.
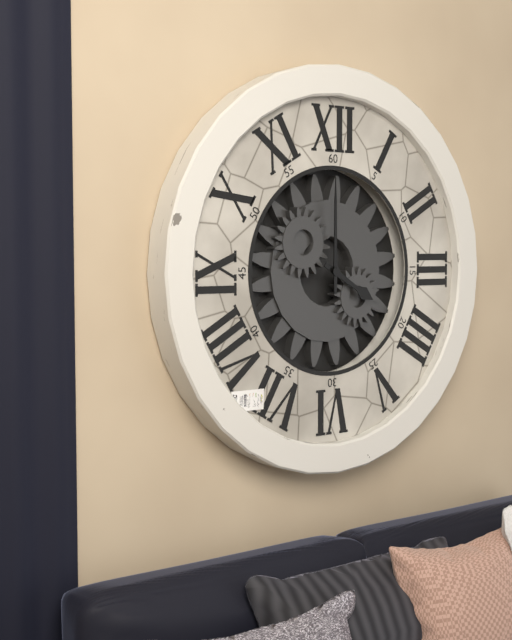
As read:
4,00
